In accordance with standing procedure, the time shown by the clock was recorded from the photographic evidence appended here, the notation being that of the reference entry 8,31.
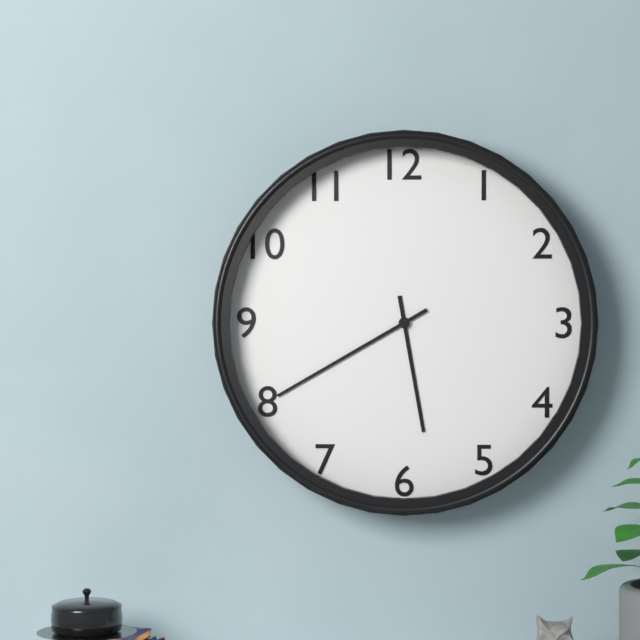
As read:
5,40
